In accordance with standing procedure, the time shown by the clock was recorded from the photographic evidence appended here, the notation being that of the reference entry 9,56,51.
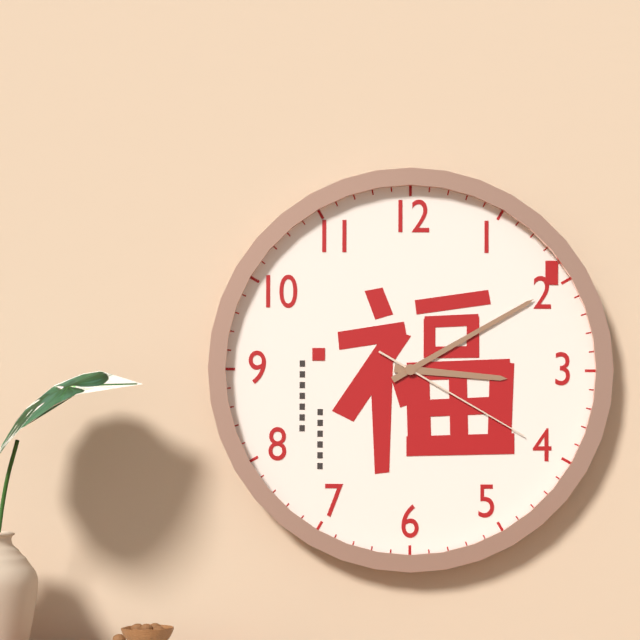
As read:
3,10,20
